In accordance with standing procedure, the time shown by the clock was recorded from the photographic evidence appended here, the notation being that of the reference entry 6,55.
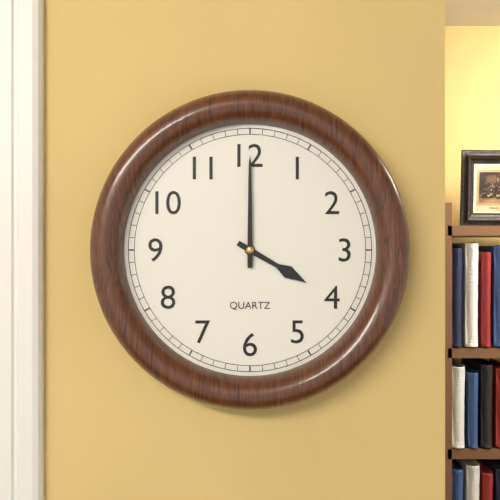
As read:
4,00
